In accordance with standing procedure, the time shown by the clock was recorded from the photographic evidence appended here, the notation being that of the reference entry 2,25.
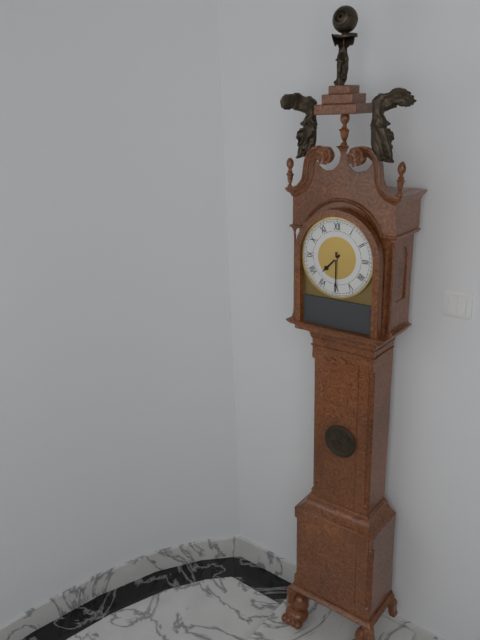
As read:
7,30
